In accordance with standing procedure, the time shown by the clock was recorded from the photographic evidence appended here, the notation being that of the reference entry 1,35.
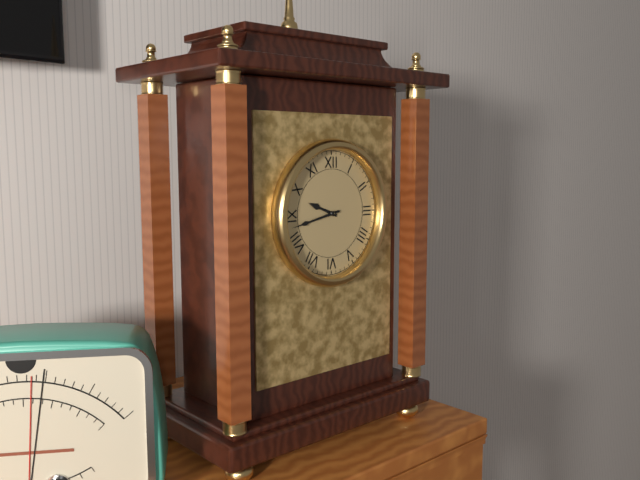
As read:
9,43
